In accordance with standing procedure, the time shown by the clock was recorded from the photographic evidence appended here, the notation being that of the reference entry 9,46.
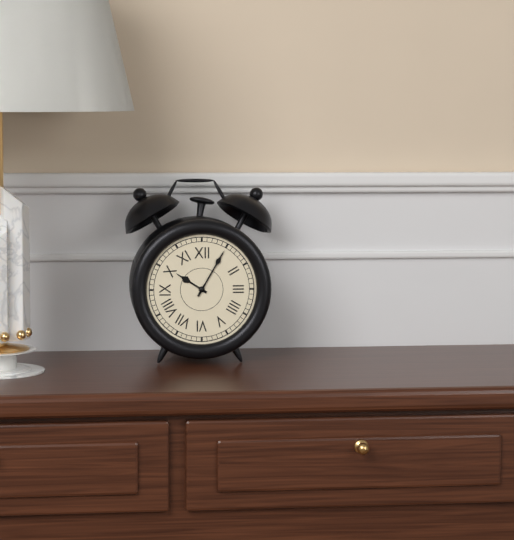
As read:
10,05
